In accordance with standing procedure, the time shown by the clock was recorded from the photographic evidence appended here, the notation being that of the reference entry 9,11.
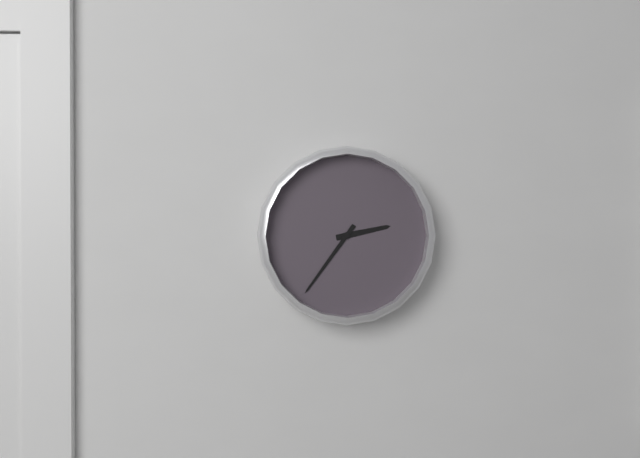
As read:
2,36
